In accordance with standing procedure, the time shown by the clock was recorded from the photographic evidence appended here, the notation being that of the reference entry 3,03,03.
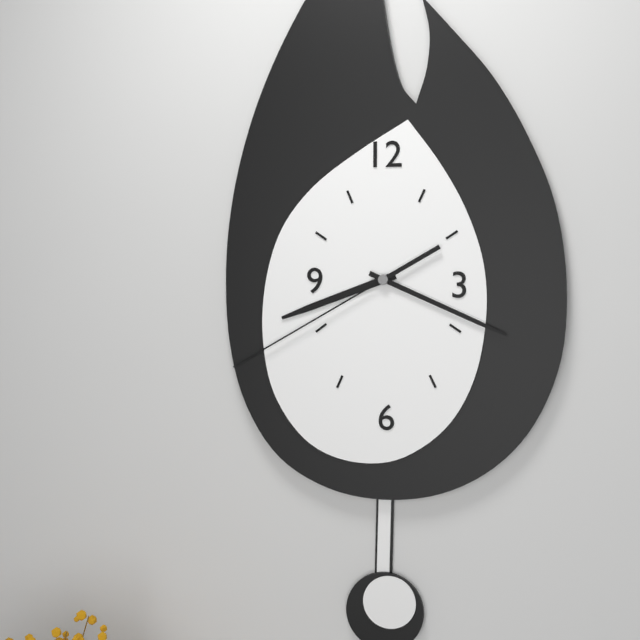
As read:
8,19,40
